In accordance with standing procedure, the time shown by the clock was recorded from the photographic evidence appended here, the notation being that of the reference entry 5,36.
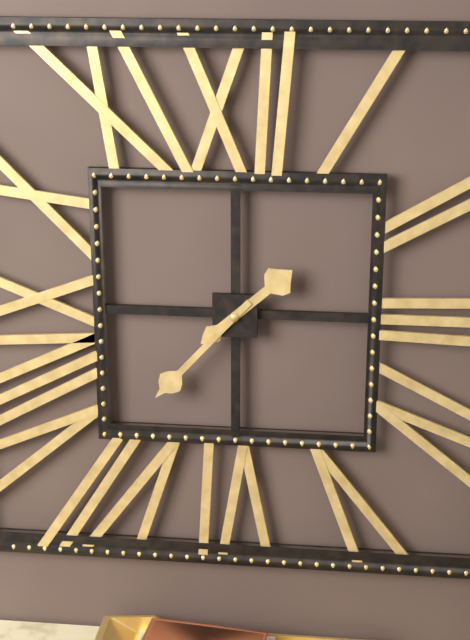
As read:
1,37
